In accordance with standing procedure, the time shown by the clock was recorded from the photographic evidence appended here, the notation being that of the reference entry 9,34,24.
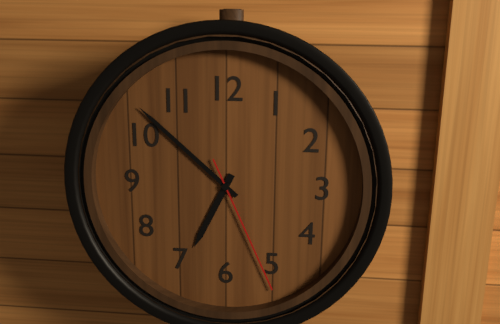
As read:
6,52,26
